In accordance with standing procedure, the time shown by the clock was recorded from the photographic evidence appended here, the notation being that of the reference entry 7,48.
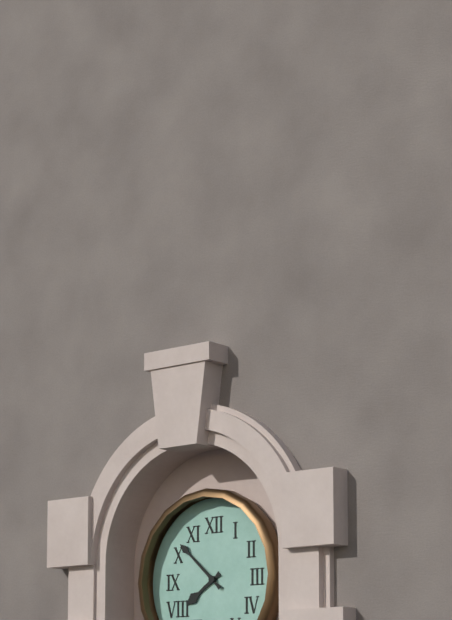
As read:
7,52
